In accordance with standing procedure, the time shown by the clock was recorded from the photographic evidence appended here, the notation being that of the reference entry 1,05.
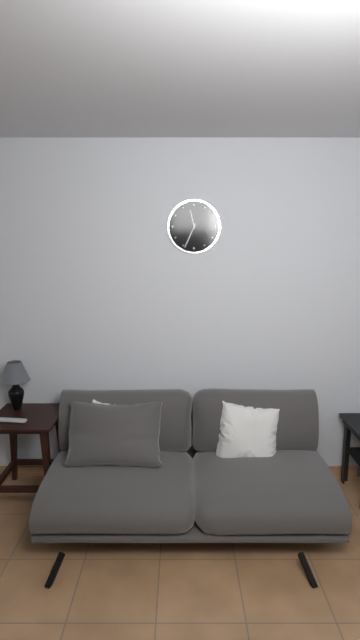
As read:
11,34
